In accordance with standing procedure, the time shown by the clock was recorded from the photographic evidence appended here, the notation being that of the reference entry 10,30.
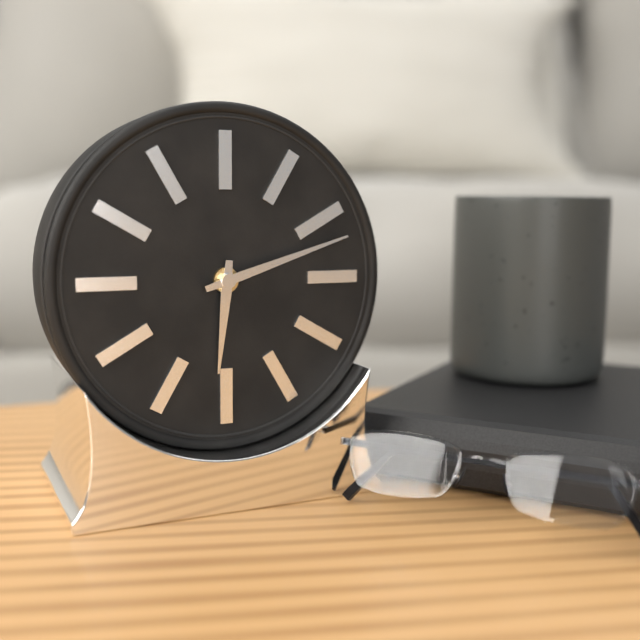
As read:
6,12
